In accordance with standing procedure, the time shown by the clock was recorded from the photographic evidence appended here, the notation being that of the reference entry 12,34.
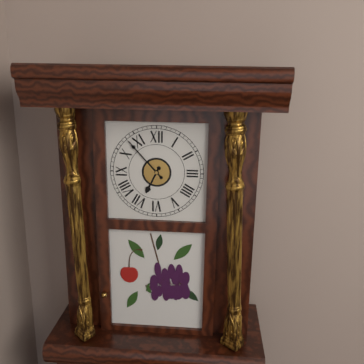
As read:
6,53
